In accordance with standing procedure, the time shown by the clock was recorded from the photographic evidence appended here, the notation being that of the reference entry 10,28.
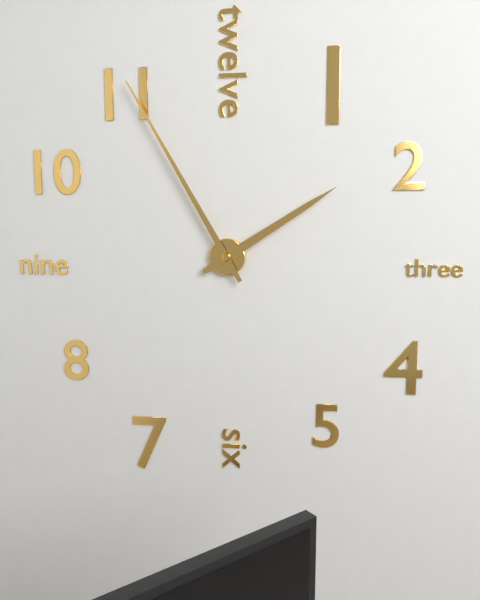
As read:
1,55
